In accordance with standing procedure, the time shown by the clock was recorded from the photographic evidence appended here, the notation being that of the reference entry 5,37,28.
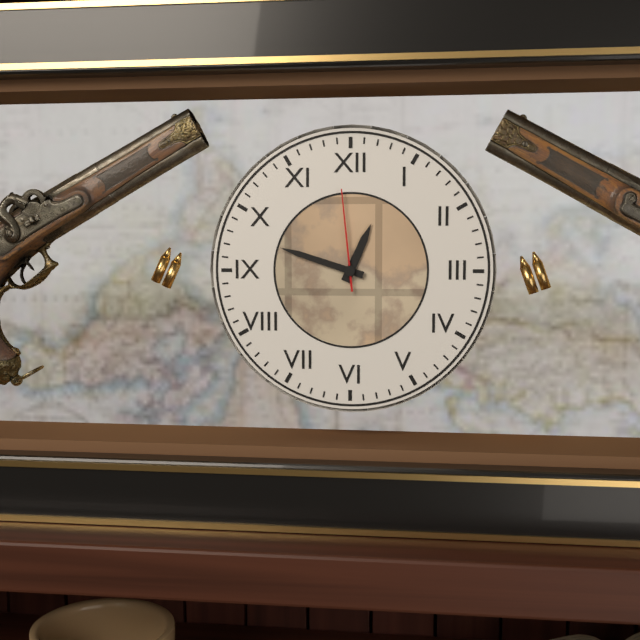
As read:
12,48,59
